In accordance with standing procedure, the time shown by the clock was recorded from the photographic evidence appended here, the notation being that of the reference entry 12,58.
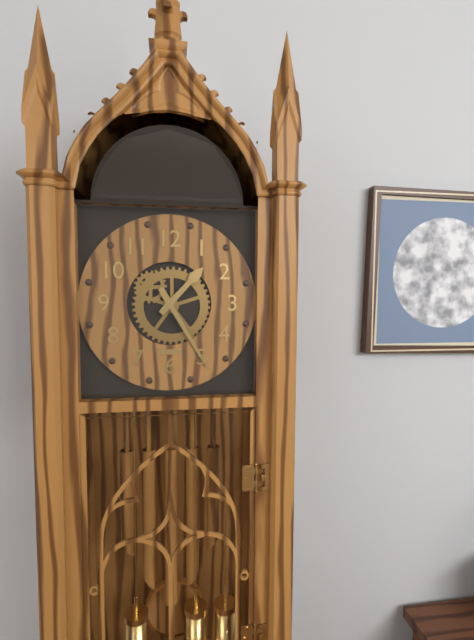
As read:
1,25
